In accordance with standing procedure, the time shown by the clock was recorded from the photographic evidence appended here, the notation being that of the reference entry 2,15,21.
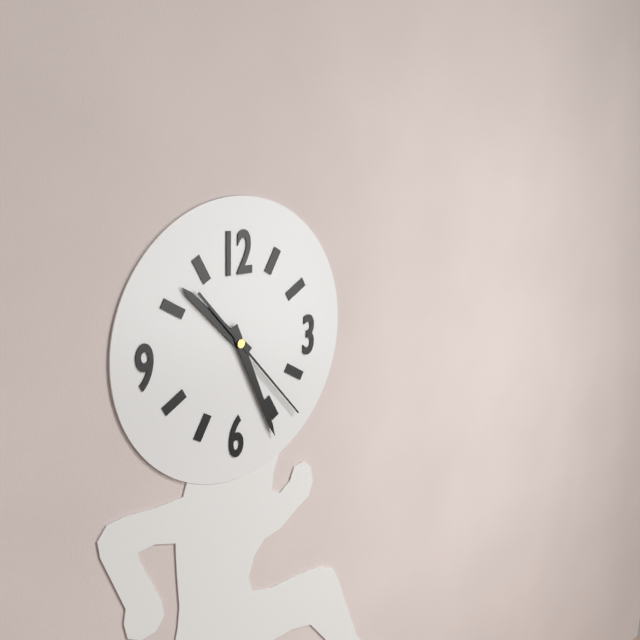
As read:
10,26,23
